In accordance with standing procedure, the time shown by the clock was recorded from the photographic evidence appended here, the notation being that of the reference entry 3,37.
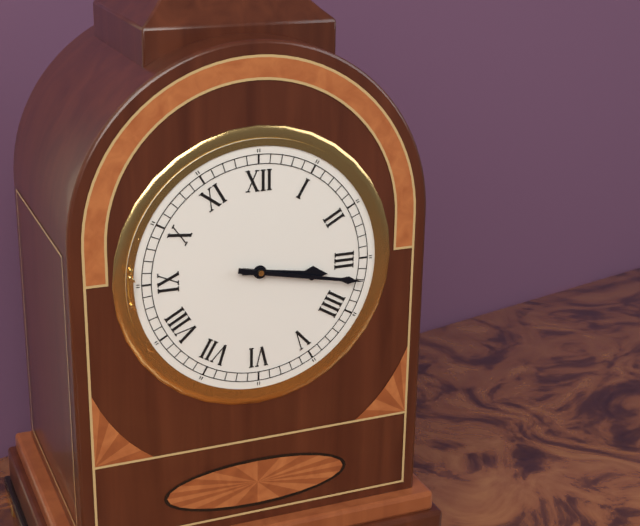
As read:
3,17
